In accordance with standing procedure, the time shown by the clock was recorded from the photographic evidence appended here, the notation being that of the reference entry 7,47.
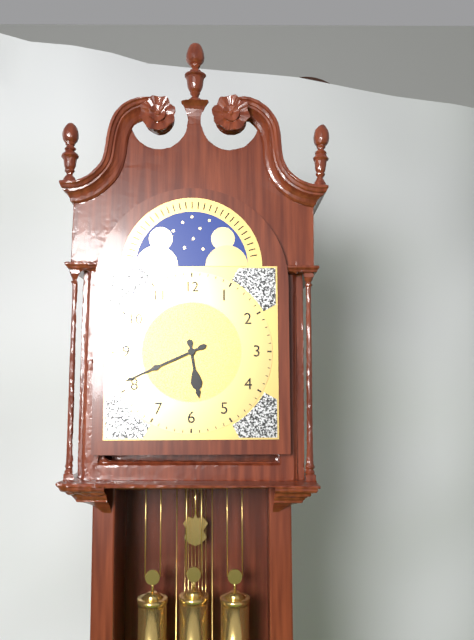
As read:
5,41
